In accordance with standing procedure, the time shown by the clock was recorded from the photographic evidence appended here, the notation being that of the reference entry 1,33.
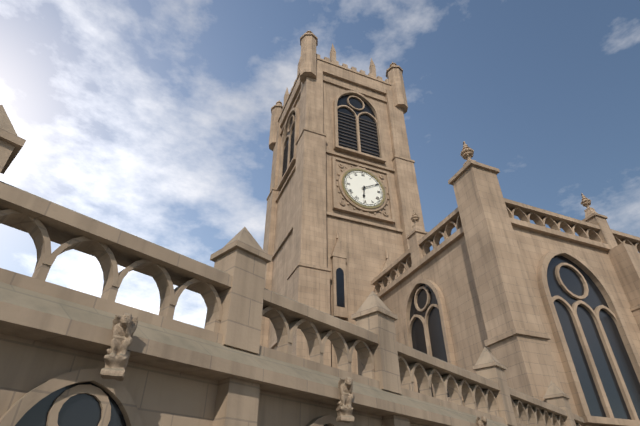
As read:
6,10
